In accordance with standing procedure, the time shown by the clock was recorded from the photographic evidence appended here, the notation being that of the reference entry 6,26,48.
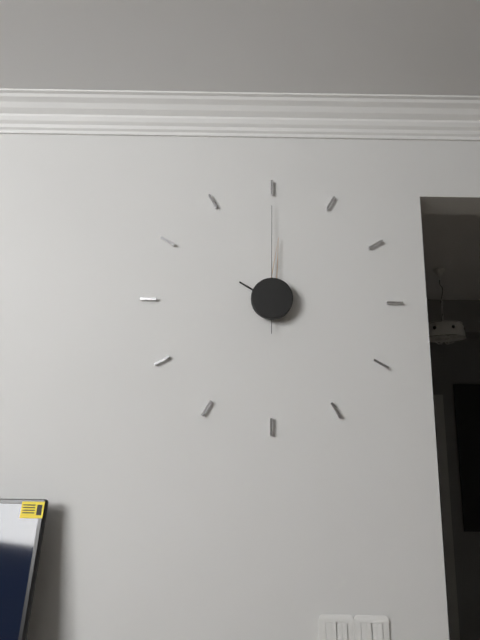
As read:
10,01,00
